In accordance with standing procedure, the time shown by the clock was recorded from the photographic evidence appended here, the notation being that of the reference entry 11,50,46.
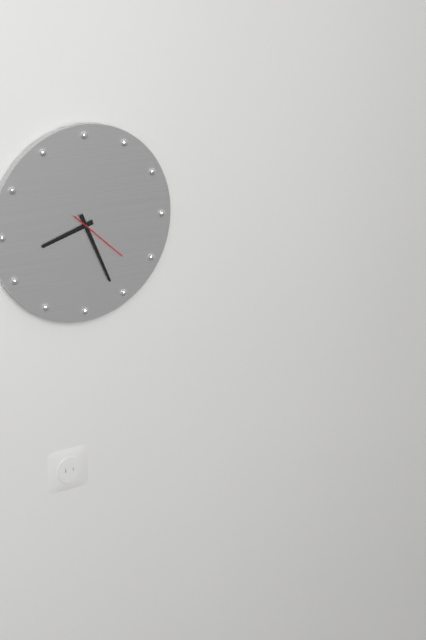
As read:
8,26,22
